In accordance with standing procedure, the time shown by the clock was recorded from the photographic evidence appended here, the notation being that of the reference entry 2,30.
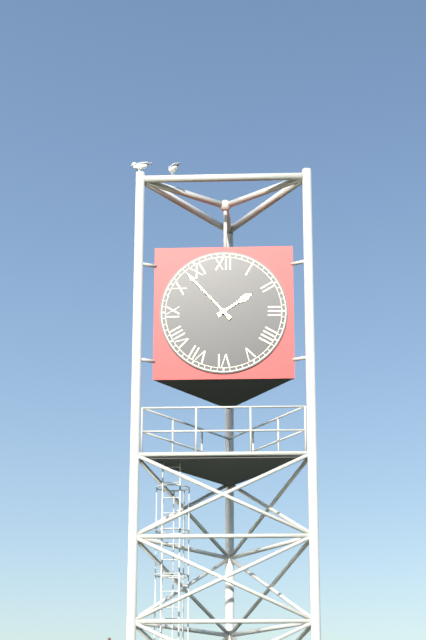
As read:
1,53
